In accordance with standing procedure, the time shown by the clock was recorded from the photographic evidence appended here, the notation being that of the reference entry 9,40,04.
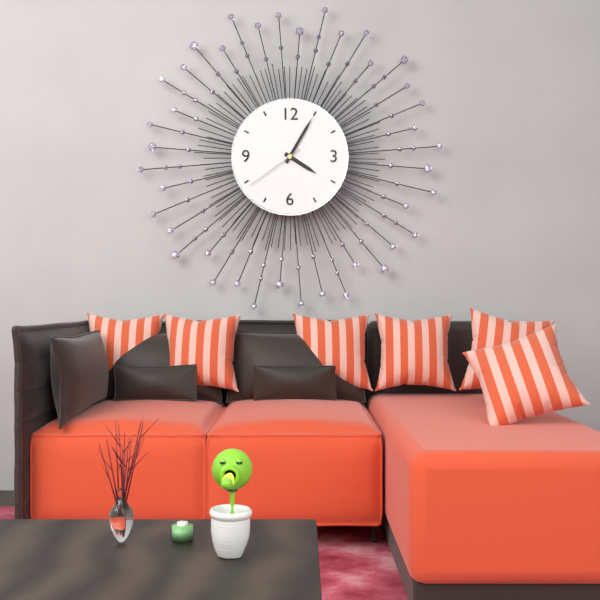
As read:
4,05,39
